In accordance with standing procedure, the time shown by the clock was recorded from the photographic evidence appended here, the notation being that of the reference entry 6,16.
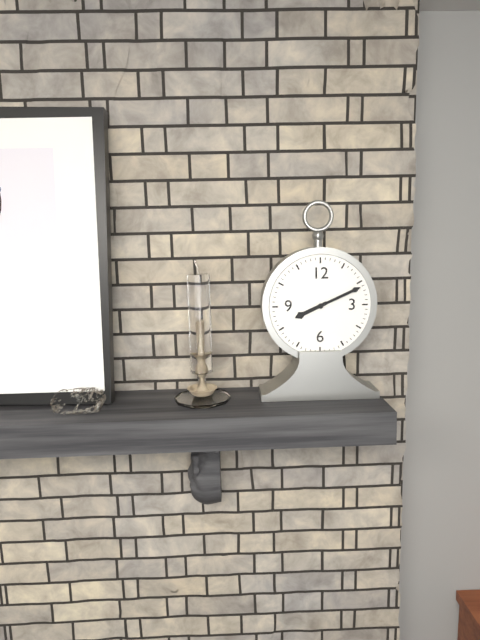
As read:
8,11
